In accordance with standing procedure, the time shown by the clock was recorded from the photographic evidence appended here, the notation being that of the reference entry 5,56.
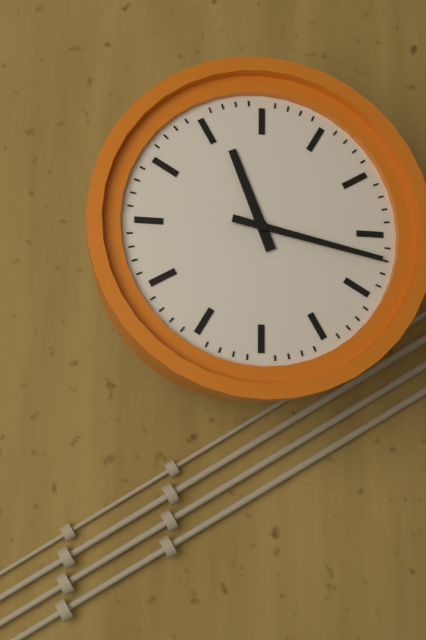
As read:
11,17
